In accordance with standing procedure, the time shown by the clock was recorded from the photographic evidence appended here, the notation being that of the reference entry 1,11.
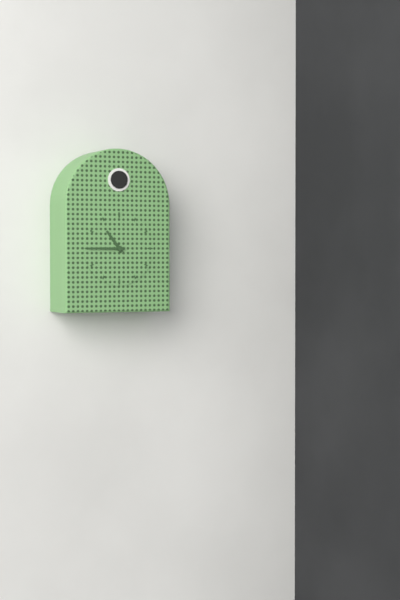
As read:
10,45
